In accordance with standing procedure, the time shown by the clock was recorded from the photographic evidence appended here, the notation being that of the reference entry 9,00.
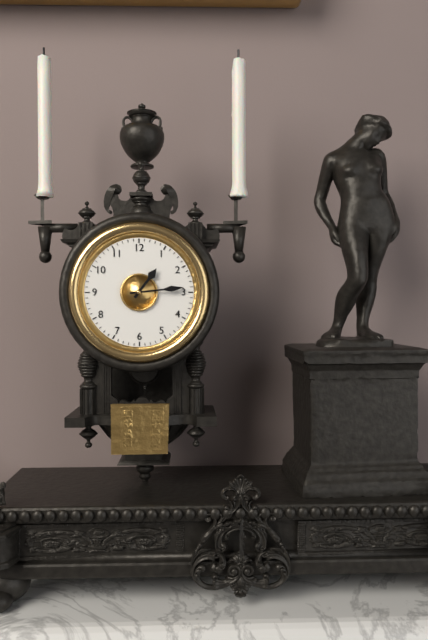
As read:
1,14
